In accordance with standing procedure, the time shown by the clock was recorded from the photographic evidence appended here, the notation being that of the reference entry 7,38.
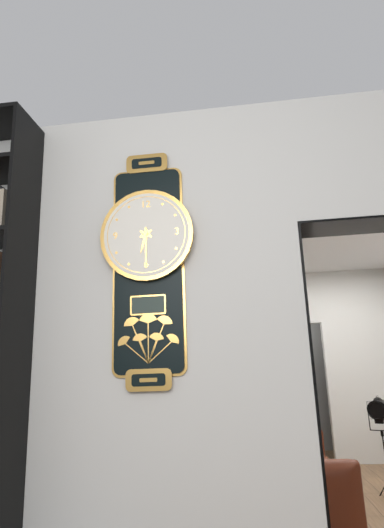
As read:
6,30
